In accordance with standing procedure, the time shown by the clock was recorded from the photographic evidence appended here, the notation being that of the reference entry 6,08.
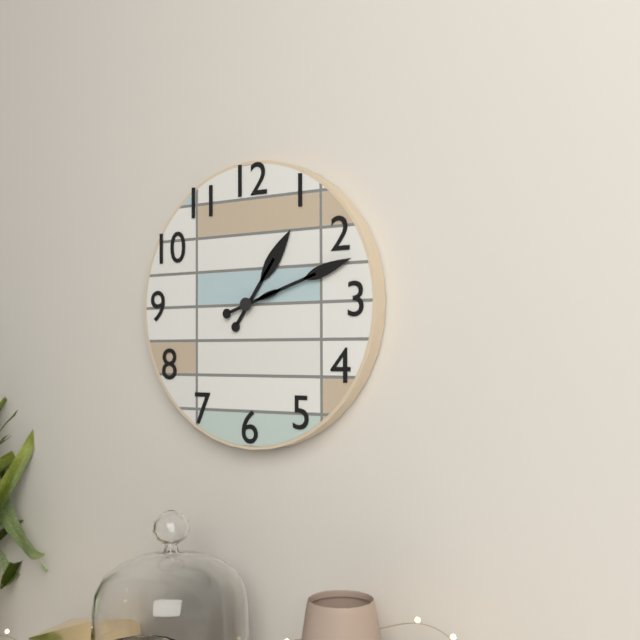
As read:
1,12
